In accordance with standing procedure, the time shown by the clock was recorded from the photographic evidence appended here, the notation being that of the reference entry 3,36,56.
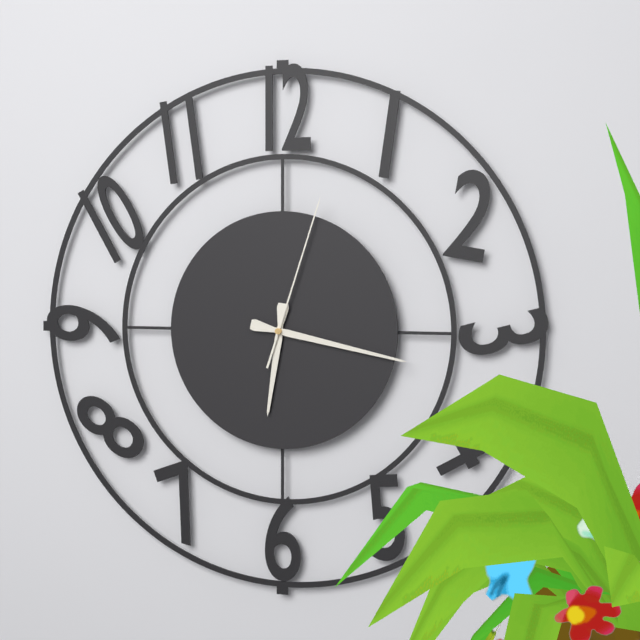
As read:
6,17,03
